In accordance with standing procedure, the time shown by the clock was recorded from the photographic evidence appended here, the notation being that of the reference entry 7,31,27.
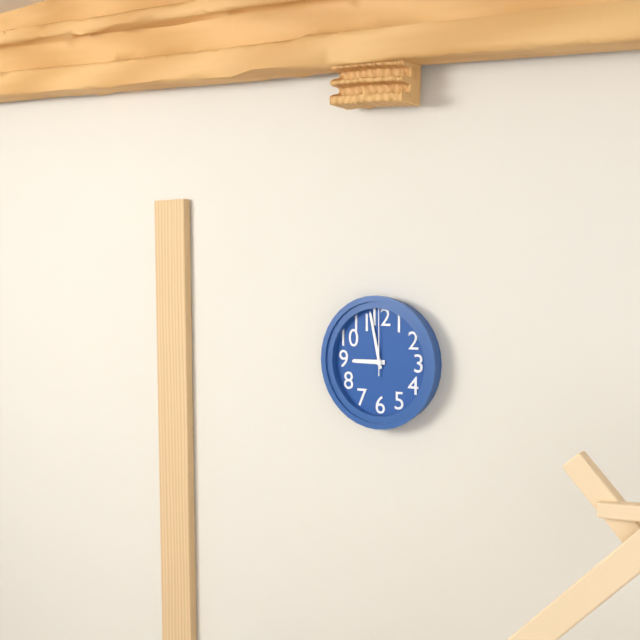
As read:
8,58,00
